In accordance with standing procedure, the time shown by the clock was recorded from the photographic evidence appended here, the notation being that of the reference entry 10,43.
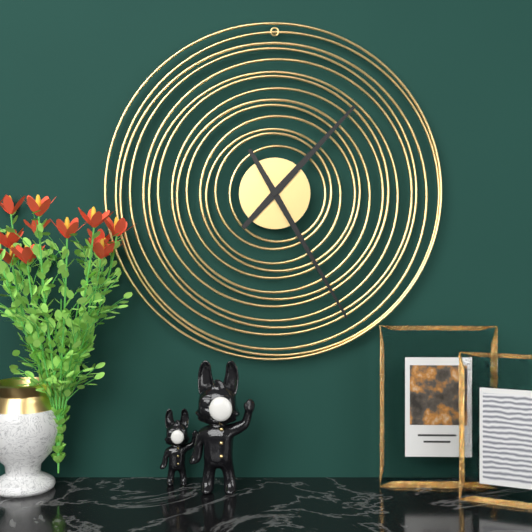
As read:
1,25
